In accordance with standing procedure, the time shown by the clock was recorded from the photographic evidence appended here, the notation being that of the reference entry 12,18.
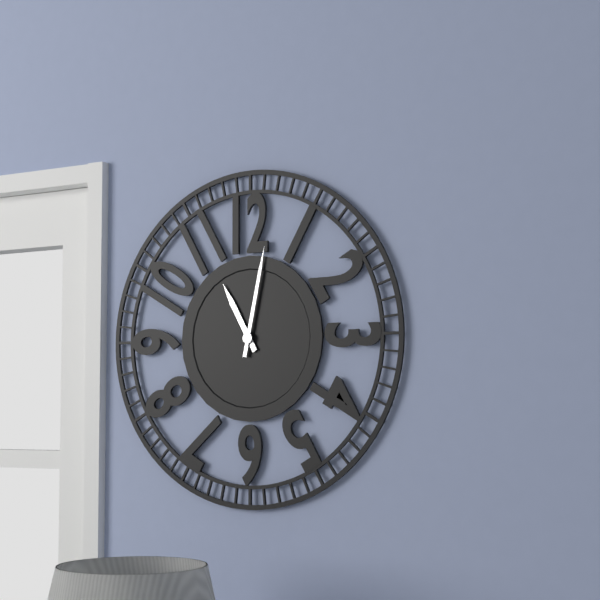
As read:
11,02
